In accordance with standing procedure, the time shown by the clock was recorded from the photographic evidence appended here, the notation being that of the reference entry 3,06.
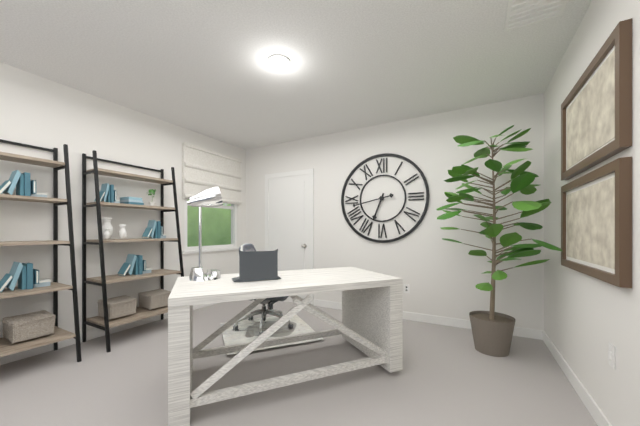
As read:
6,43
